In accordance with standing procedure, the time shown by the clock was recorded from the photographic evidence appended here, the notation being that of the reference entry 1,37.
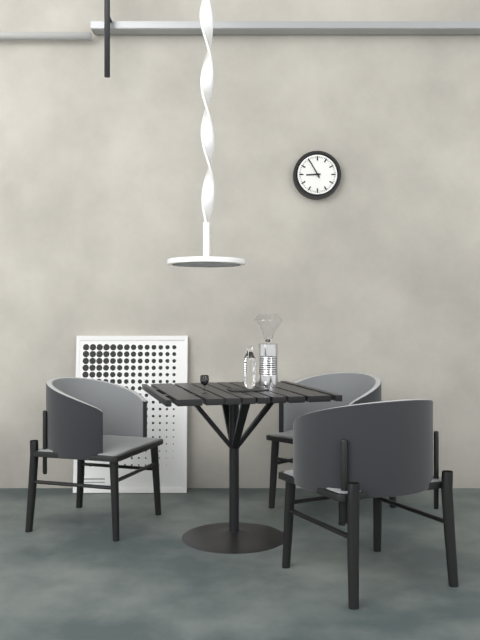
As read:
8,55
